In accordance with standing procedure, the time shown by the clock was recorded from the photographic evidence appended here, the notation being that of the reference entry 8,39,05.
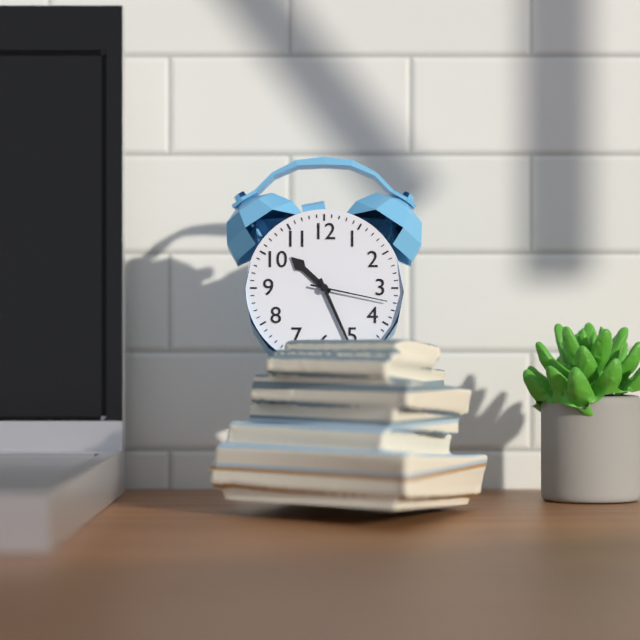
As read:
10,26,17
